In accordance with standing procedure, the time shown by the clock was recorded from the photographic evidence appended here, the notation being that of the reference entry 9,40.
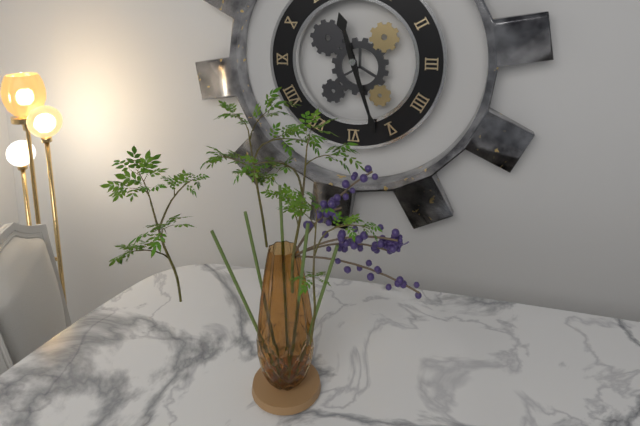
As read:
11,27
